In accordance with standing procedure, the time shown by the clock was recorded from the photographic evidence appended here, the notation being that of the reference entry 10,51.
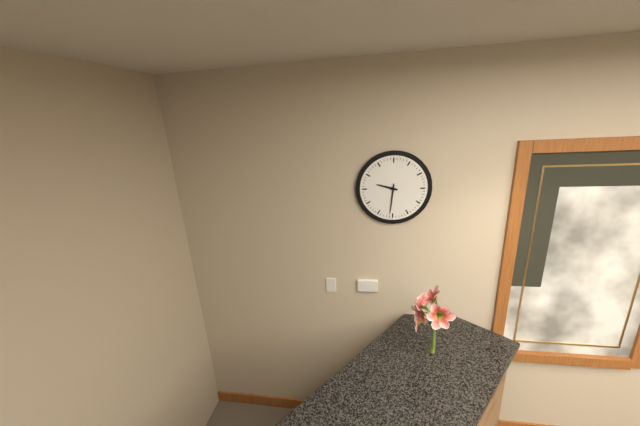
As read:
9,31
